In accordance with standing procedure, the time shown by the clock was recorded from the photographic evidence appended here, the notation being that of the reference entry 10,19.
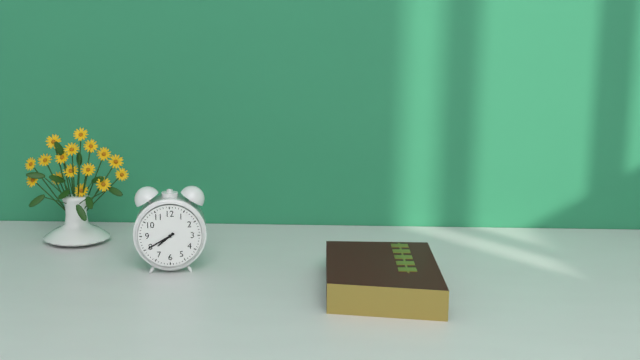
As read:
7,40
